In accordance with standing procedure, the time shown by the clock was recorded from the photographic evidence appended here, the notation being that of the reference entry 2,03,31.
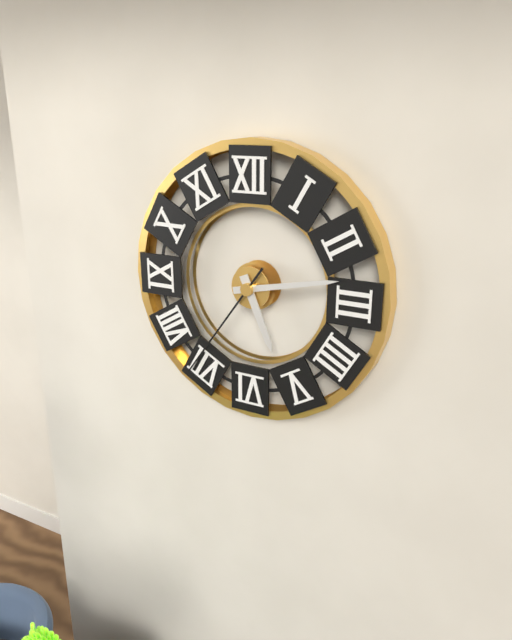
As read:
5,13,36
